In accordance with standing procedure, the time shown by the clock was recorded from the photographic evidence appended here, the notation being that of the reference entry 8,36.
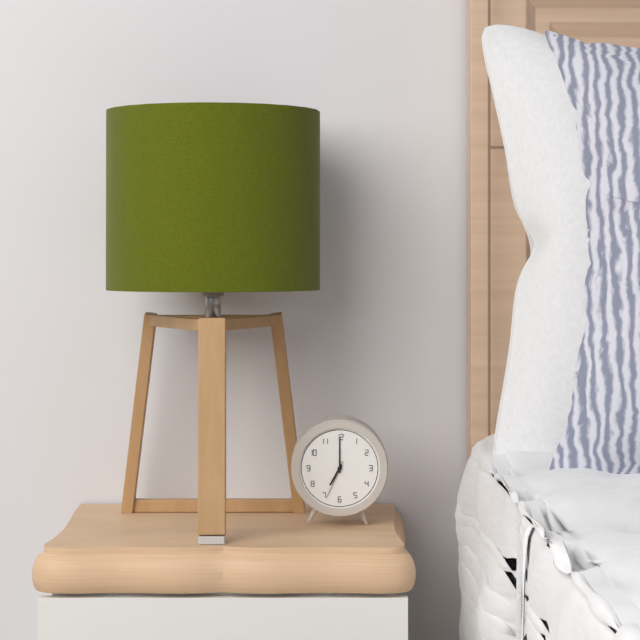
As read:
7,00
